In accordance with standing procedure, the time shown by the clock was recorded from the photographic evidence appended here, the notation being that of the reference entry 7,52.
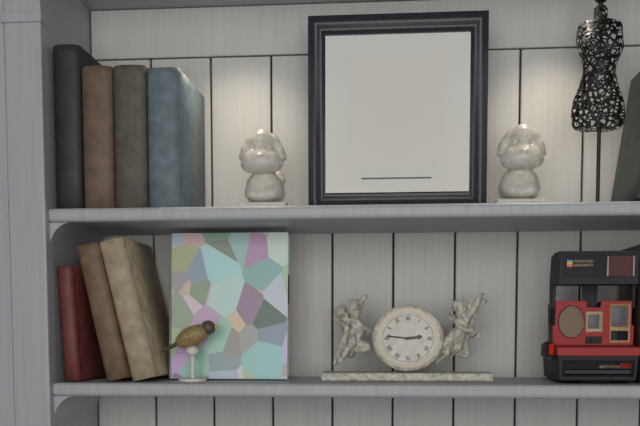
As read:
2,46
